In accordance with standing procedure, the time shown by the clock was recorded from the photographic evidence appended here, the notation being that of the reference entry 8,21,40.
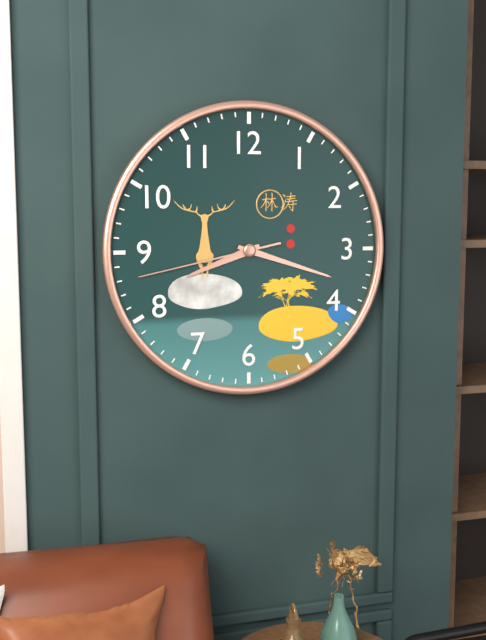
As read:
8,18,43
